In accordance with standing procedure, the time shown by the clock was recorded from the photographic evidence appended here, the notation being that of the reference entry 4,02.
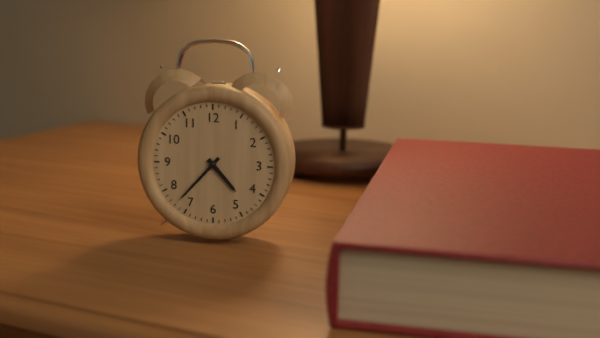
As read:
4,37
